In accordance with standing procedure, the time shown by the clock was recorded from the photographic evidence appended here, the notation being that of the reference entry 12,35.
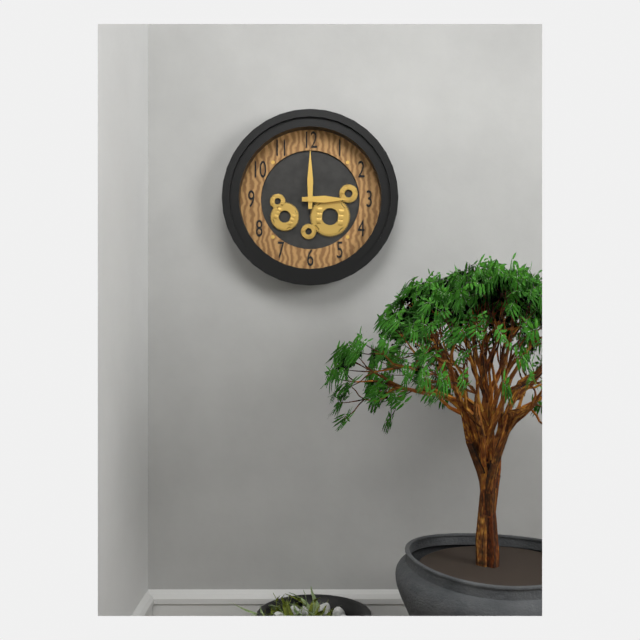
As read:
3,00
